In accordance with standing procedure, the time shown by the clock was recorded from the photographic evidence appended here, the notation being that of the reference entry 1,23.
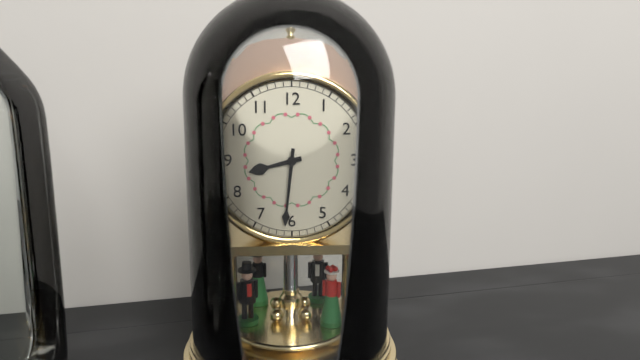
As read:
8,31
